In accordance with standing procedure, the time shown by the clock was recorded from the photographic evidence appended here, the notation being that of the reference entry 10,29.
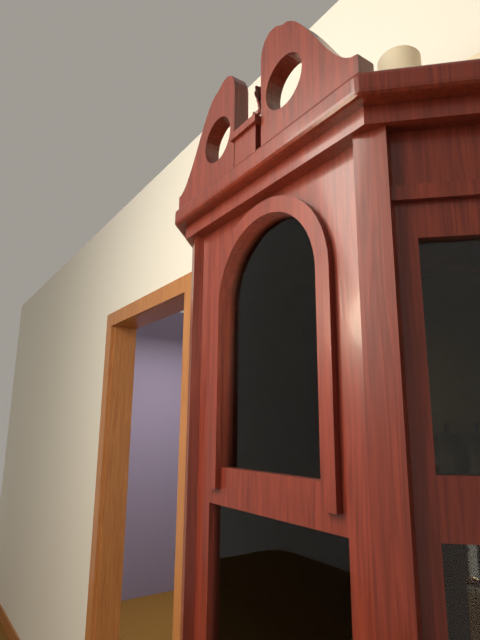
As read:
10,50
